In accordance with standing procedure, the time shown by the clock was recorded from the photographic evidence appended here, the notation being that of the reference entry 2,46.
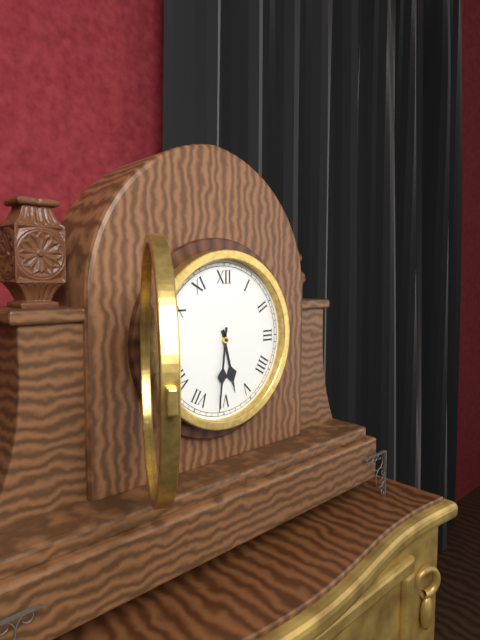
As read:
5,31
